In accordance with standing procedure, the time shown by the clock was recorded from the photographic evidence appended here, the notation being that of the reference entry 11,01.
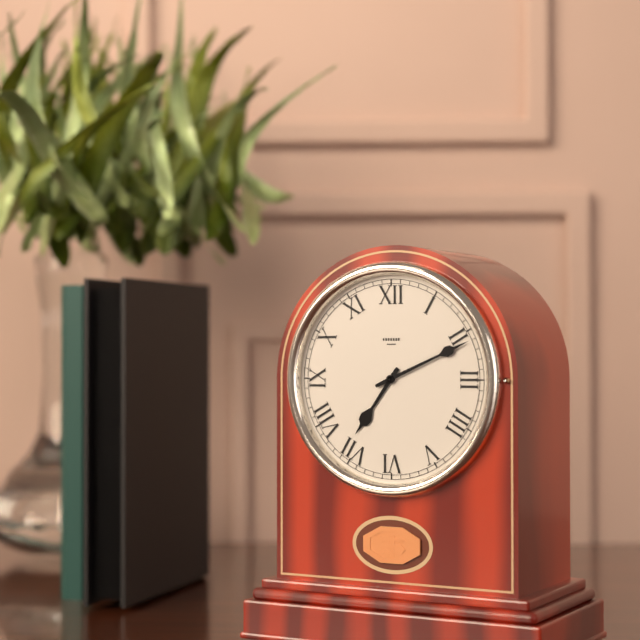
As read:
7,11
